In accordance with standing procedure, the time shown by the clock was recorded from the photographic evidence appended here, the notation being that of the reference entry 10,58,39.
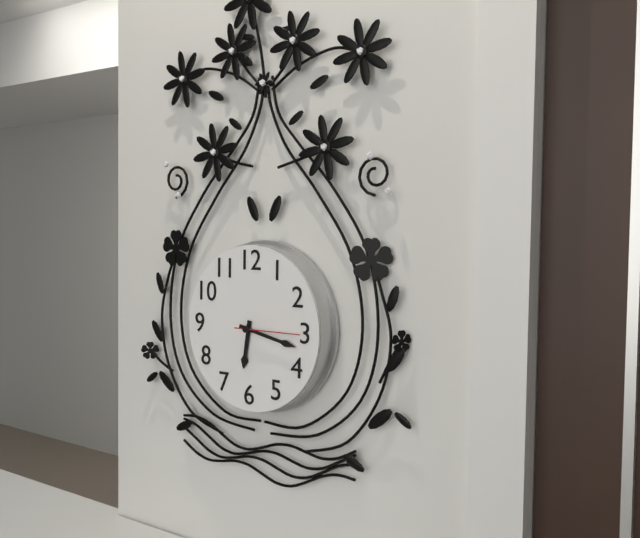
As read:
6,17,15
